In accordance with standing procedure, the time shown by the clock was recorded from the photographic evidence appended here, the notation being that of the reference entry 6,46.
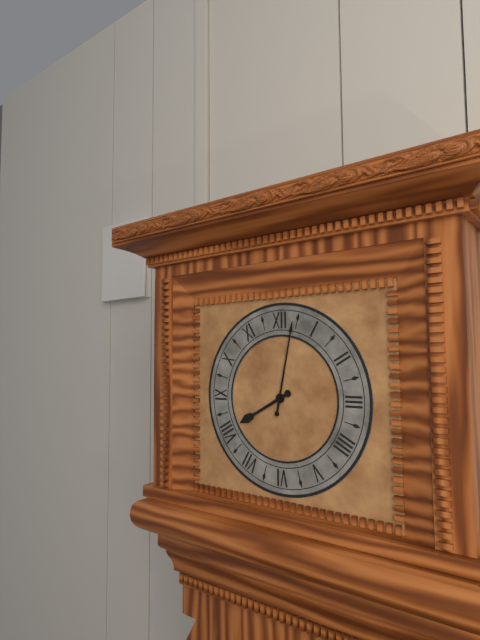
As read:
8,02
